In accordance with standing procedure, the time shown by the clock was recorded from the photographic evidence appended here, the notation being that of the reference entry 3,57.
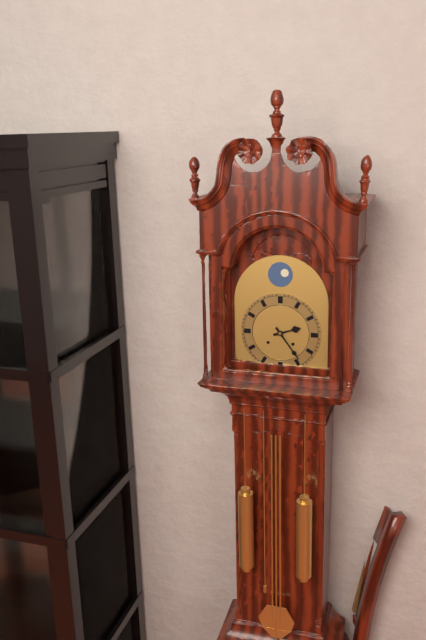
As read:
2,24
